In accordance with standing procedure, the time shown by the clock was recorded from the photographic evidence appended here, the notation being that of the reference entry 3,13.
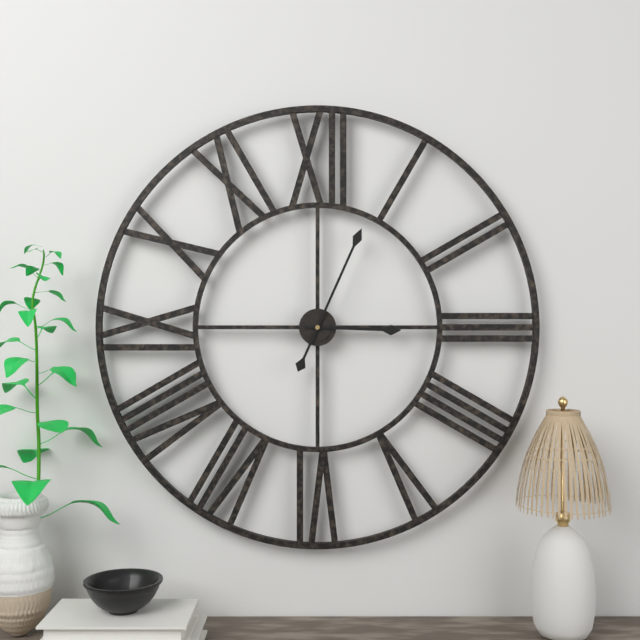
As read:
3,04
